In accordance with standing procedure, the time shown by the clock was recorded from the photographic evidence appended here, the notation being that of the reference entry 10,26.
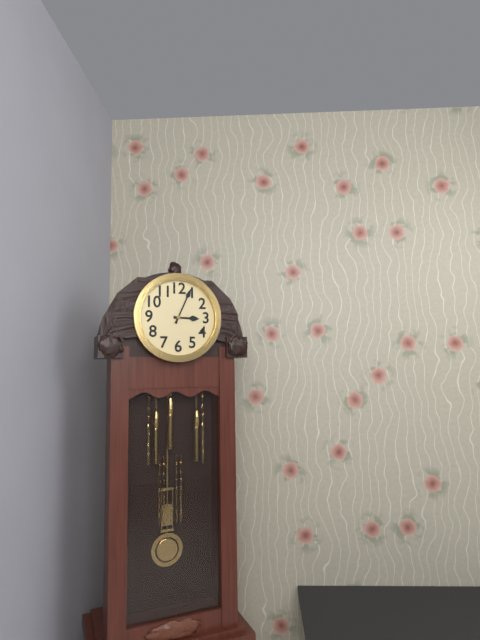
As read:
3,04
